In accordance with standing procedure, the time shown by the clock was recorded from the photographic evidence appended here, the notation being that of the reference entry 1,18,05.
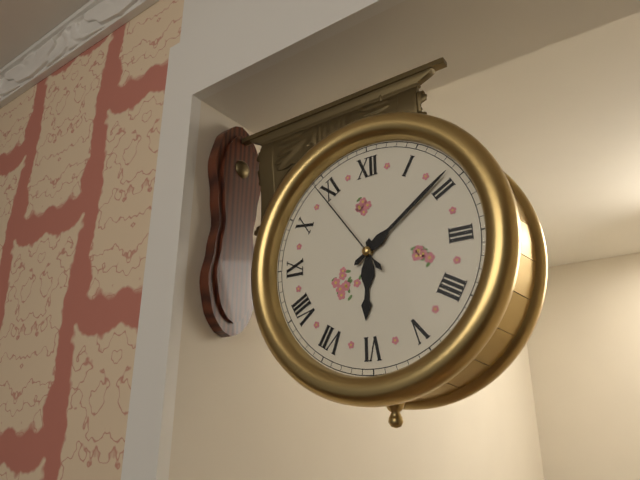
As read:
6,09,54
